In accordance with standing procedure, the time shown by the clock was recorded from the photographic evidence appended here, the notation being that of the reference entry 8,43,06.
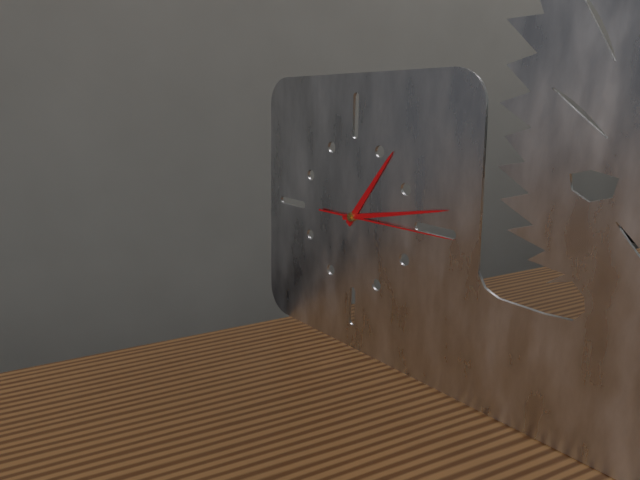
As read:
1,13,15
